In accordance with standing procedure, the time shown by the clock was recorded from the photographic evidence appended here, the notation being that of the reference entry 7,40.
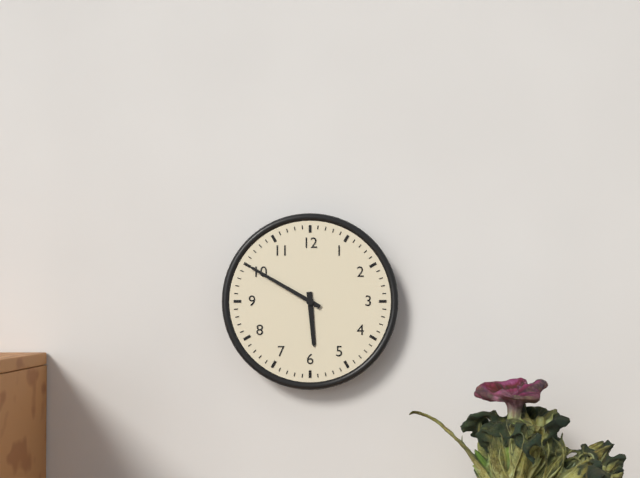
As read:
5,50
